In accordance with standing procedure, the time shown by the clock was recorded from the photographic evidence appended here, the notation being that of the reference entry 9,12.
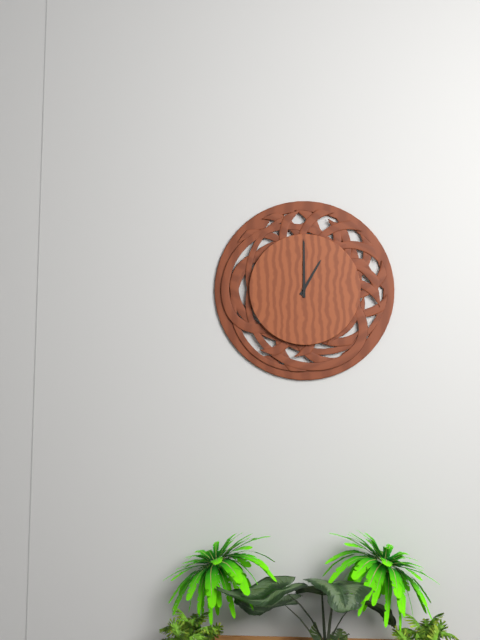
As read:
1,00
